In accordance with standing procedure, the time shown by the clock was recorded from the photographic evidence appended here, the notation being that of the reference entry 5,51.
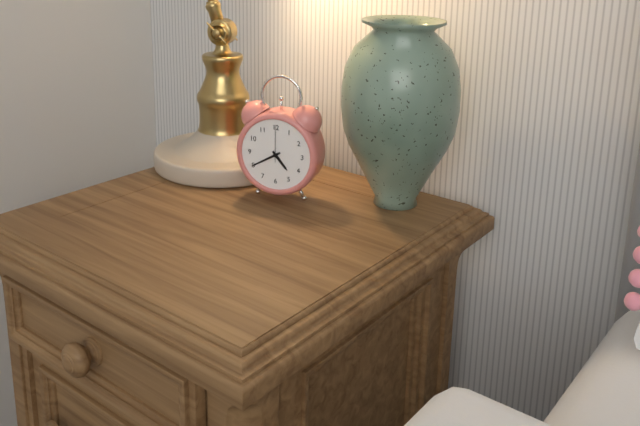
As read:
4,40
